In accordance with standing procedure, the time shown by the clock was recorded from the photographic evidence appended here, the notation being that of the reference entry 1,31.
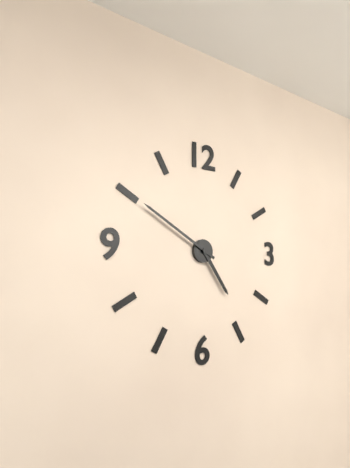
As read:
4,50
